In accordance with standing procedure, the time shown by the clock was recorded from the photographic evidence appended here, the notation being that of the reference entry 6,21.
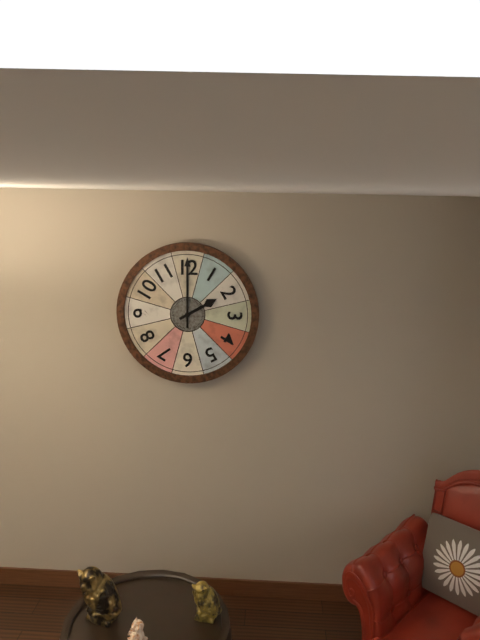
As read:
2,00
